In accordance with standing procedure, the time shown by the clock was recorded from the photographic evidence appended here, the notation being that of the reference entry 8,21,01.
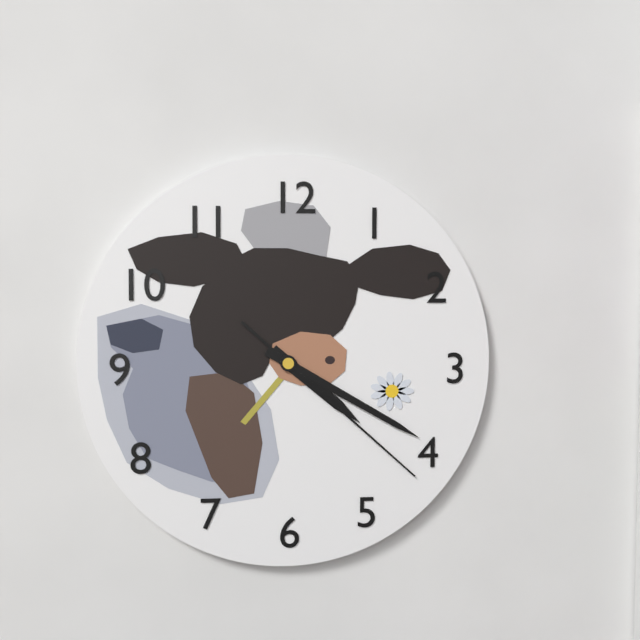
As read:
4,20,22
